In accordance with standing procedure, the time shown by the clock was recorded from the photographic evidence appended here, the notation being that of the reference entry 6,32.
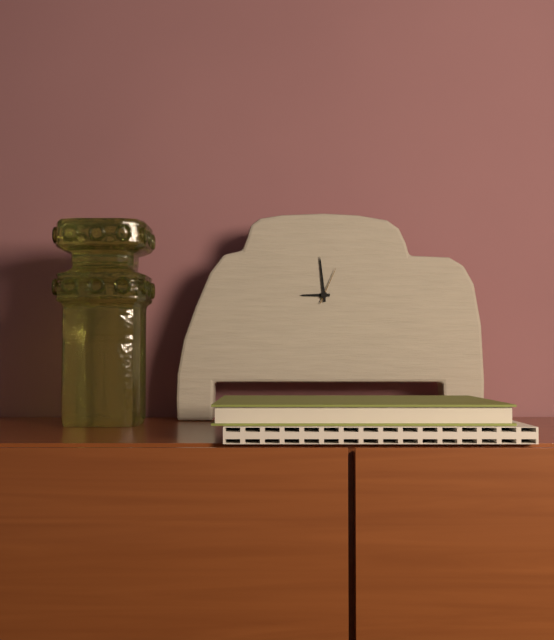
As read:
8,59
